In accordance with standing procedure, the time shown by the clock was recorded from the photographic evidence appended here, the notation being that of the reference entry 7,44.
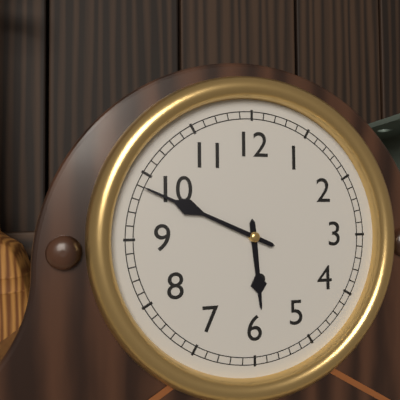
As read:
5,49
